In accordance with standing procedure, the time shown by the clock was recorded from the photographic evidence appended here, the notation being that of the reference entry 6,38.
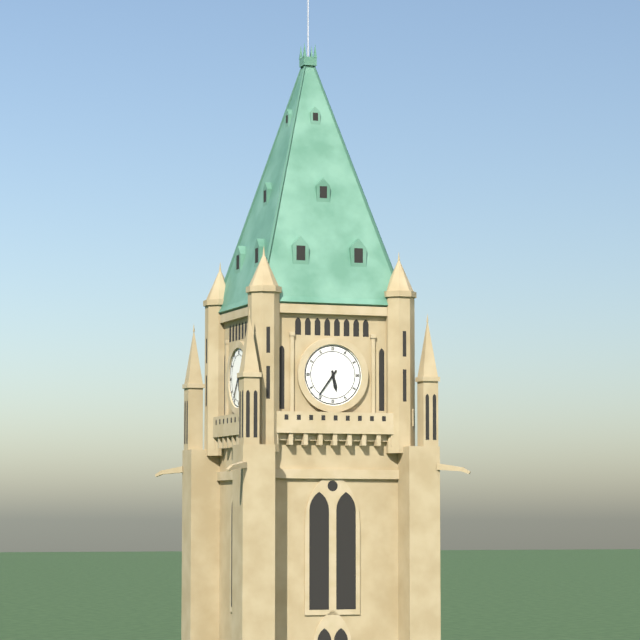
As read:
5,36
